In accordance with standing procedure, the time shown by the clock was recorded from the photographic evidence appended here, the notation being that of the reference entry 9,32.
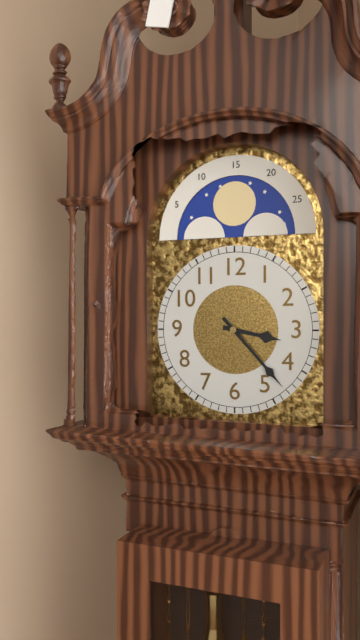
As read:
3,23
